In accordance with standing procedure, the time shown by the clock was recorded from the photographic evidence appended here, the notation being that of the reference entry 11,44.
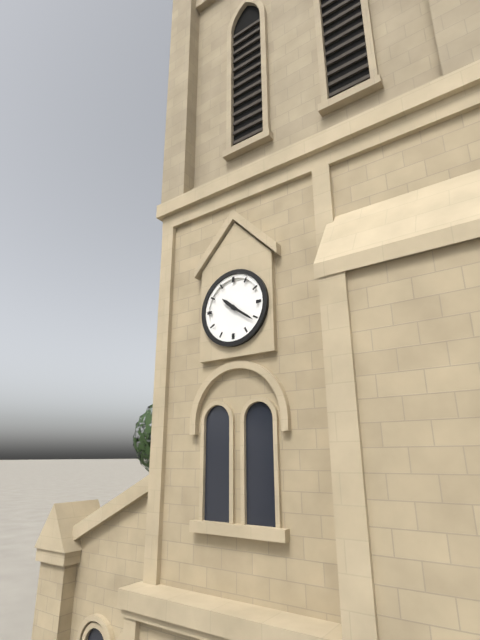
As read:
10,21
